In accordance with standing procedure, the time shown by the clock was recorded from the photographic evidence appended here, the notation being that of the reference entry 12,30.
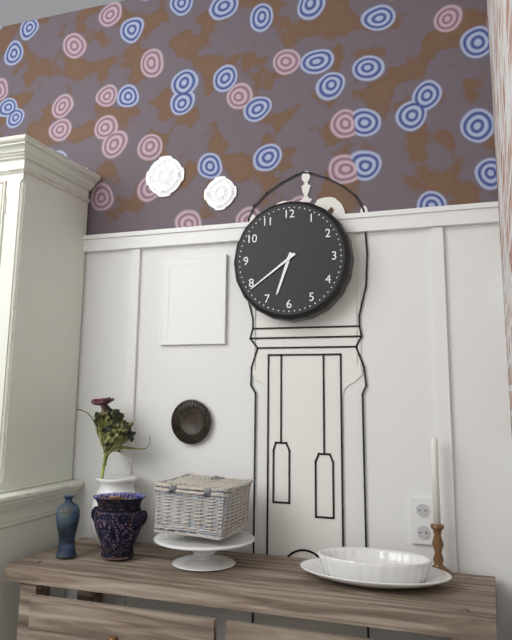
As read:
6,39
